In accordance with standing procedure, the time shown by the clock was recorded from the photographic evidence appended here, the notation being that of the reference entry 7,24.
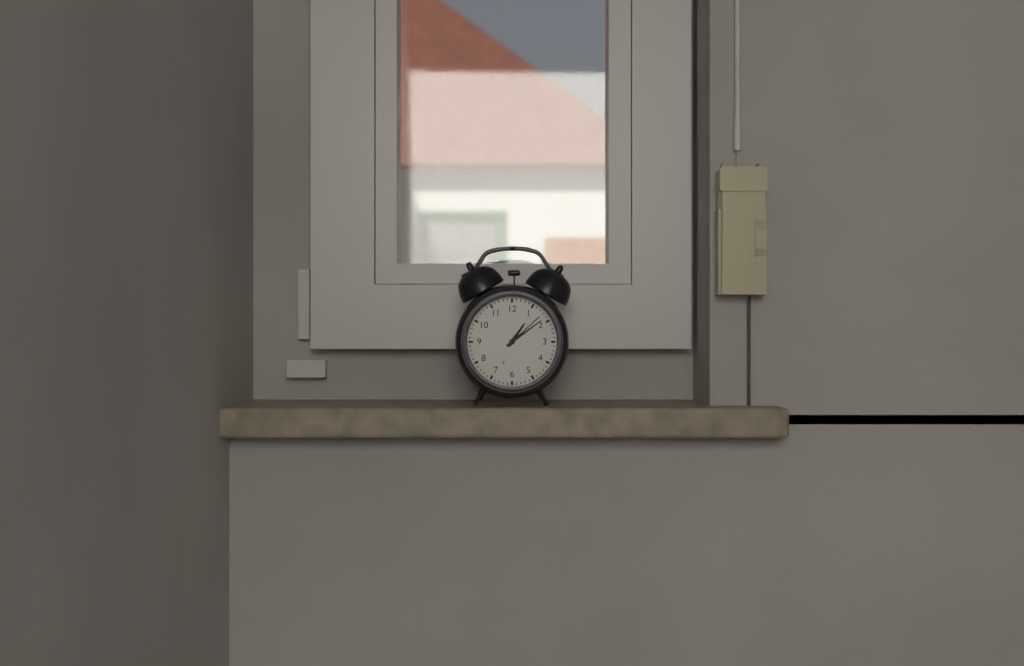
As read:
1,09
